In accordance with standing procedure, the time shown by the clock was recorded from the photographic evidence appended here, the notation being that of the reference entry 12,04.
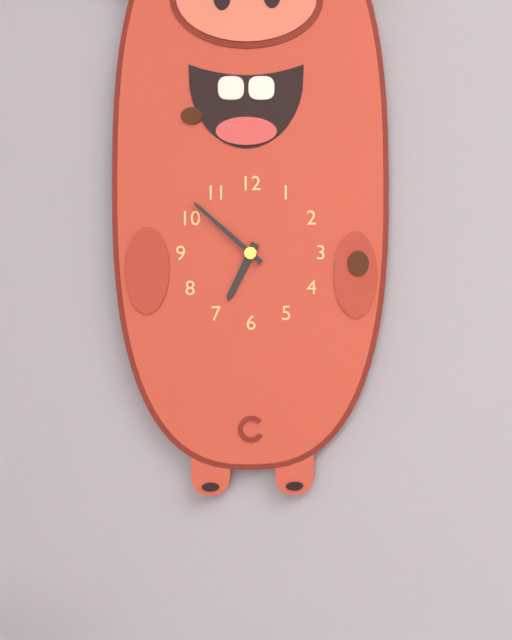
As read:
6,52
